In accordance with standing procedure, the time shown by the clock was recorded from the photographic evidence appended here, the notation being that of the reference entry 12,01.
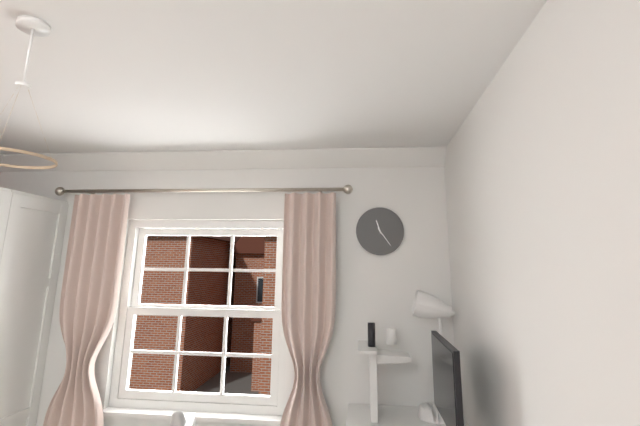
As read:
11,24
